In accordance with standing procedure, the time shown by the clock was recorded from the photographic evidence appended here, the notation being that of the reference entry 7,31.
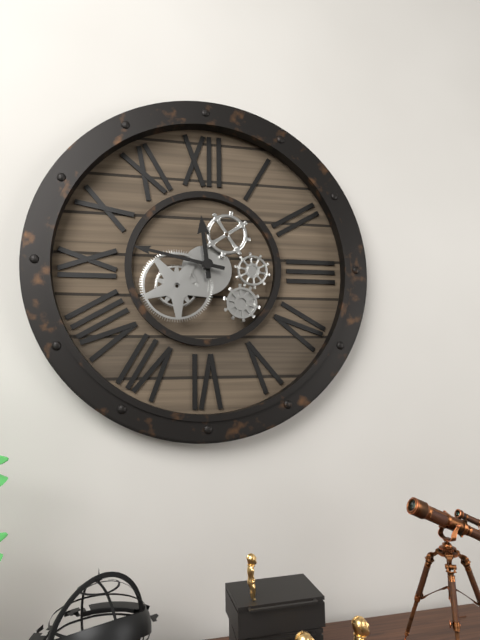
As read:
11,47
